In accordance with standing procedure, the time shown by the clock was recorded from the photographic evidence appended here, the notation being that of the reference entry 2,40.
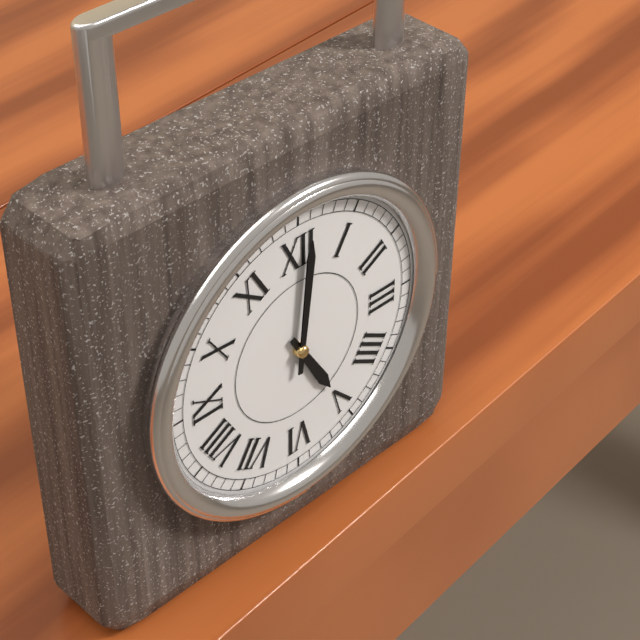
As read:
5,01
